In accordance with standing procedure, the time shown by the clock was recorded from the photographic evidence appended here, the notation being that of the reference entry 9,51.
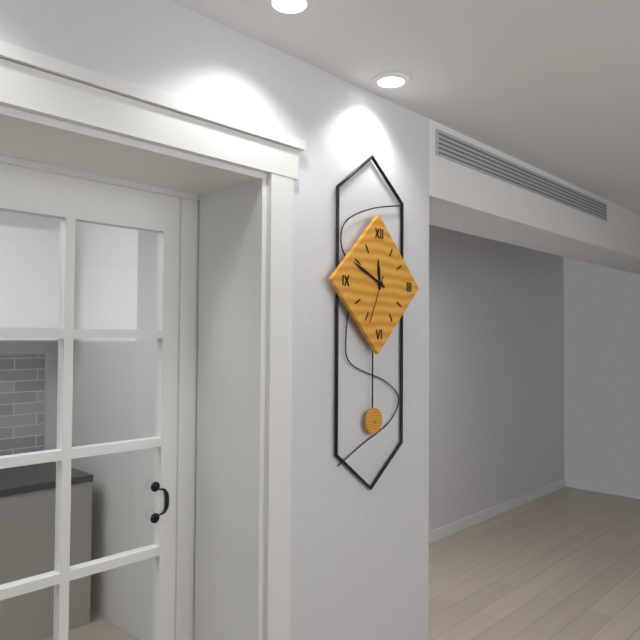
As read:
11,49
